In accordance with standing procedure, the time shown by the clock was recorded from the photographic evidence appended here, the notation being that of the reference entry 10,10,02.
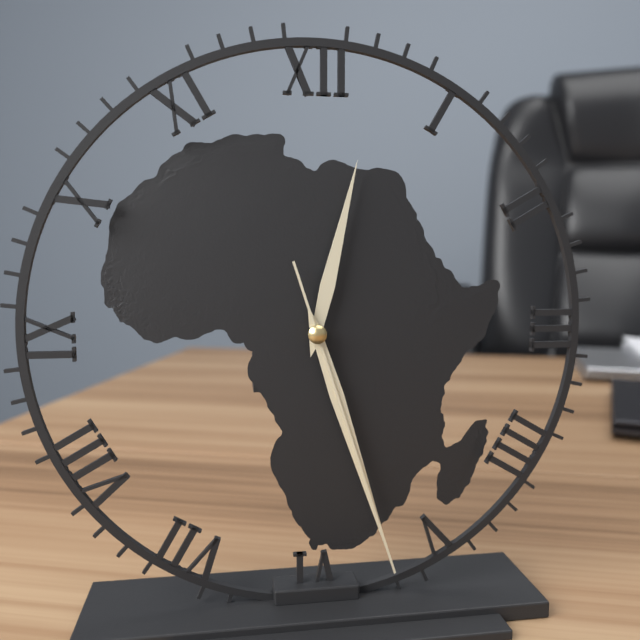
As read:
12,27,27
